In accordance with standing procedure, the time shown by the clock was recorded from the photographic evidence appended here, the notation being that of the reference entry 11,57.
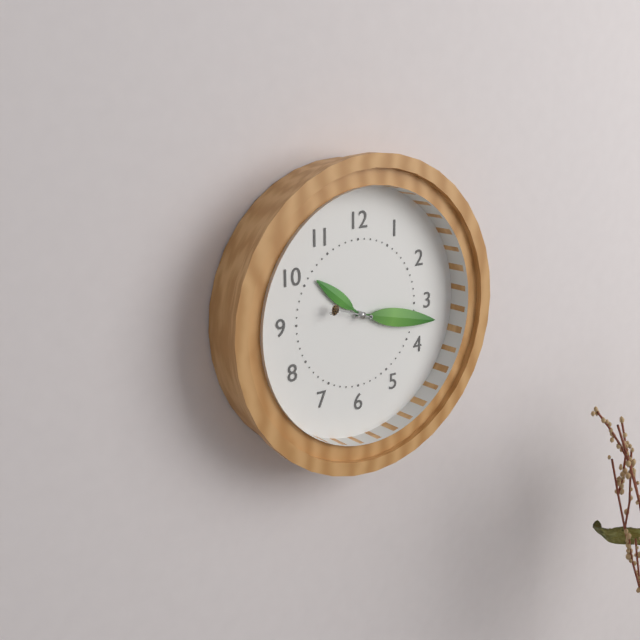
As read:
10,17
